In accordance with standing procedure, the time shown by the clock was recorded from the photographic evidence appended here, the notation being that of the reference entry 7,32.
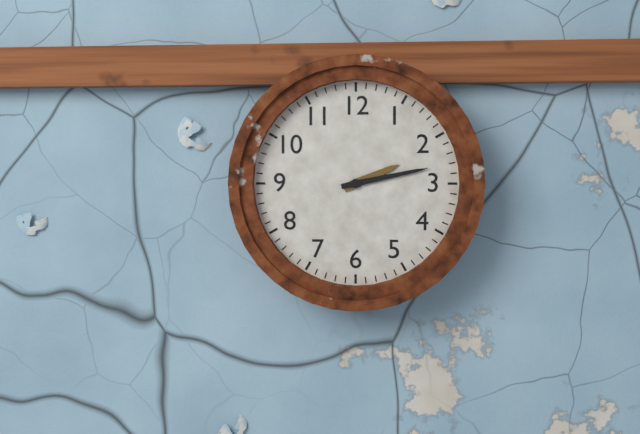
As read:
2,13
